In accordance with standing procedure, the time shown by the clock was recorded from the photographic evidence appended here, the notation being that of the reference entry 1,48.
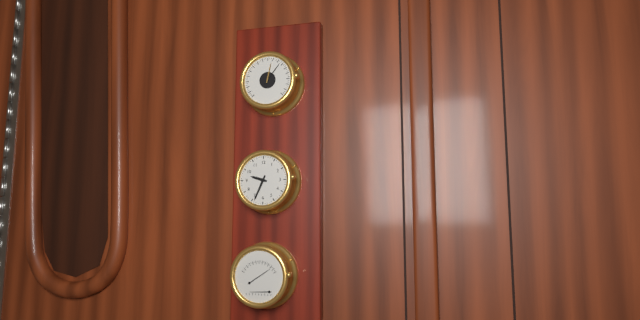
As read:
9,34
